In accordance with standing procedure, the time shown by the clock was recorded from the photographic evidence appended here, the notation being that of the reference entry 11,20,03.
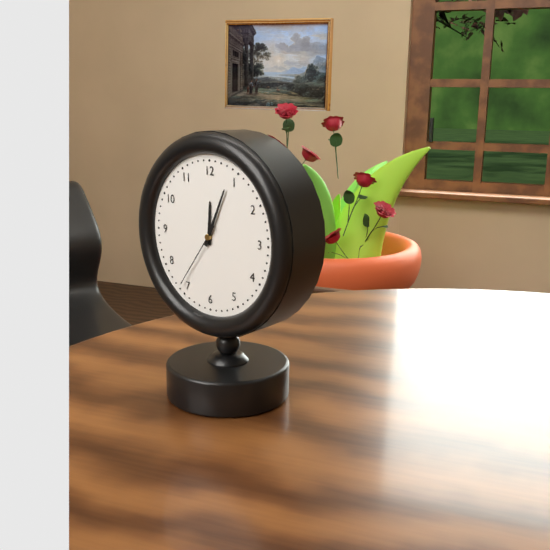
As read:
12,04,36
